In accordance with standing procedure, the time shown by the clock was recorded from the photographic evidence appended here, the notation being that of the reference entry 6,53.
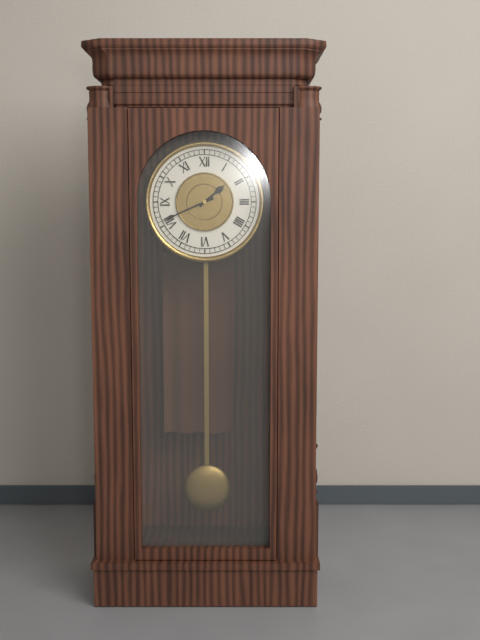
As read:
1,41
